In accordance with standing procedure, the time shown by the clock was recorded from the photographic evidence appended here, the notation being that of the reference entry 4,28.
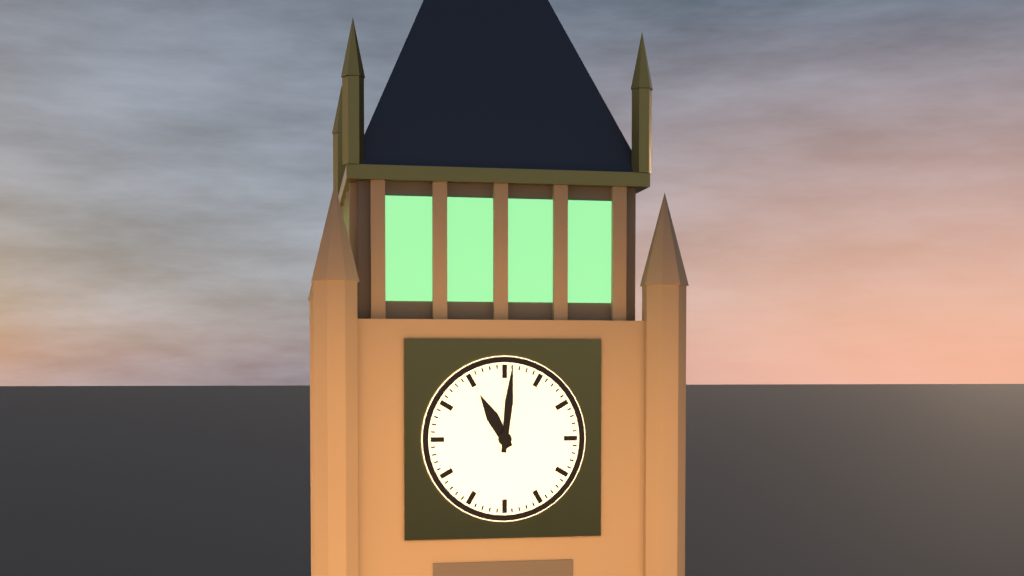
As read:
11,01
